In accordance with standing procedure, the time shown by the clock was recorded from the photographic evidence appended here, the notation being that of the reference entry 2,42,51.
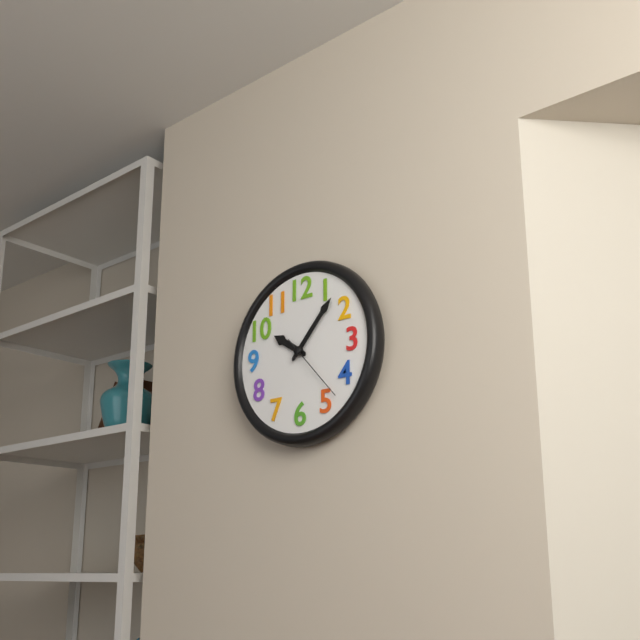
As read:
10,07,23
